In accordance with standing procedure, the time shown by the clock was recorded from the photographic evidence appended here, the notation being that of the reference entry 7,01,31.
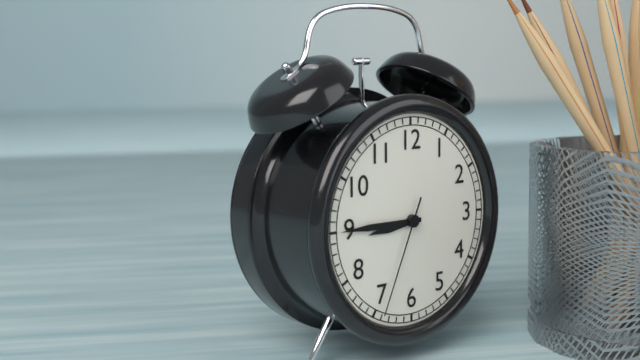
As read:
8,45,34
